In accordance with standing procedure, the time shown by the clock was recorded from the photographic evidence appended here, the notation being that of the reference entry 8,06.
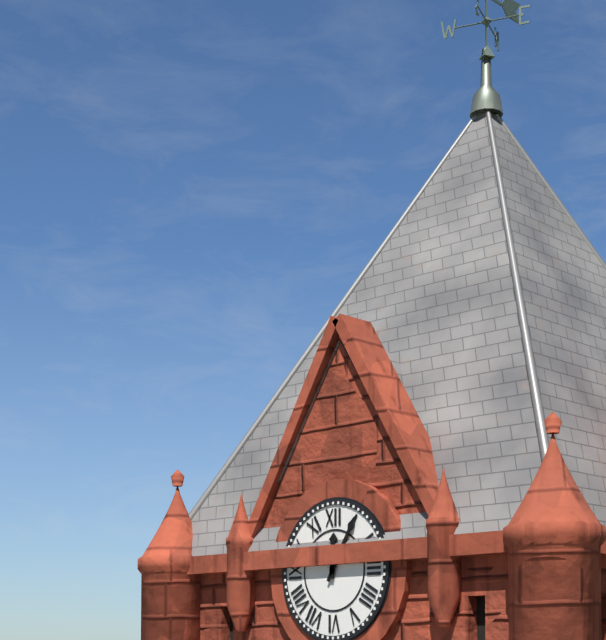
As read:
12,05
